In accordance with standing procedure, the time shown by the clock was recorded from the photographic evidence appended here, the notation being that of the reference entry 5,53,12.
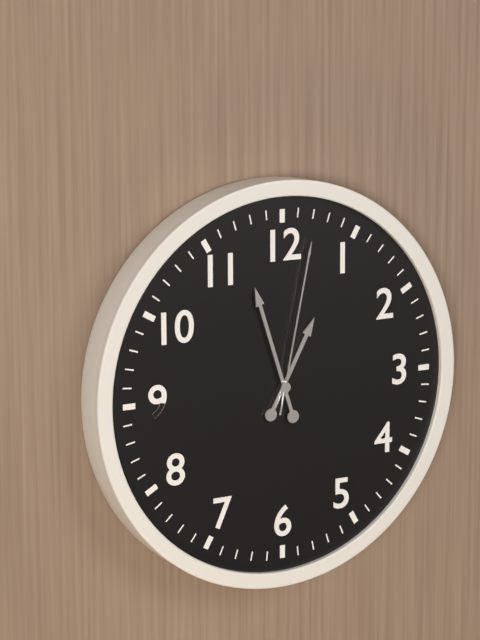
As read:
12,57,02
